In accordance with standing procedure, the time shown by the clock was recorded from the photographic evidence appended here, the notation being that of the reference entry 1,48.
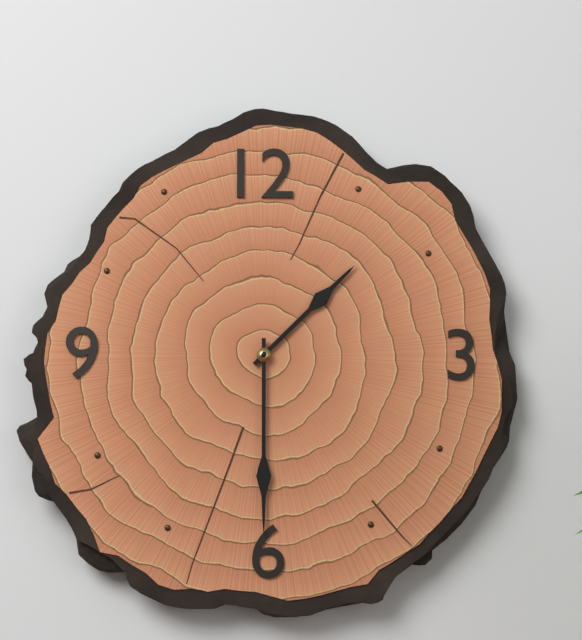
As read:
1,30
